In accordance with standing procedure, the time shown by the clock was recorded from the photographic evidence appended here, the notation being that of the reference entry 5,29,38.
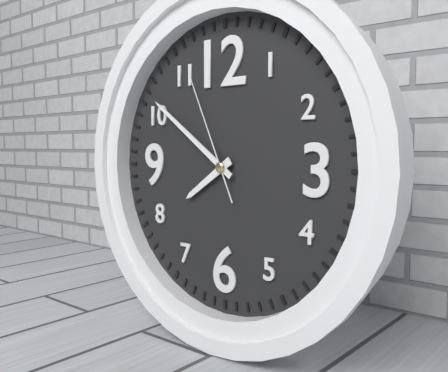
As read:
7,51,56
